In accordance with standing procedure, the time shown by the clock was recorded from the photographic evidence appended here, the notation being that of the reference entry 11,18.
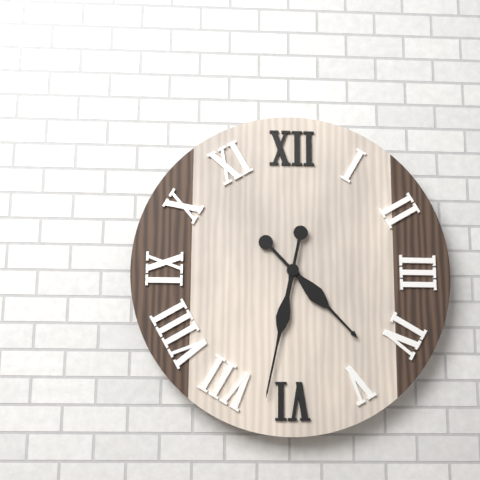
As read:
4,32
